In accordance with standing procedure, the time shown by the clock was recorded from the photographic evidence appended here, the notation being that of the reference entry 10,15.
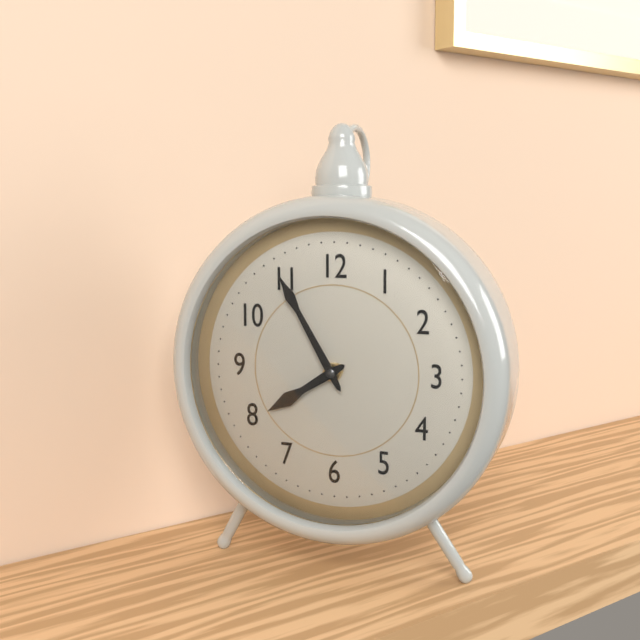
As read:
7,55
